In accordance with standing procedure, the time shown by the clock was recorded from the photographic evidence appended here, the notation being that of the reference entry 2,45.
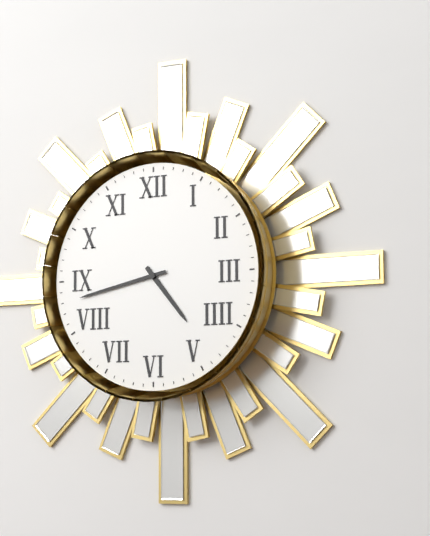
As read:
4,43
